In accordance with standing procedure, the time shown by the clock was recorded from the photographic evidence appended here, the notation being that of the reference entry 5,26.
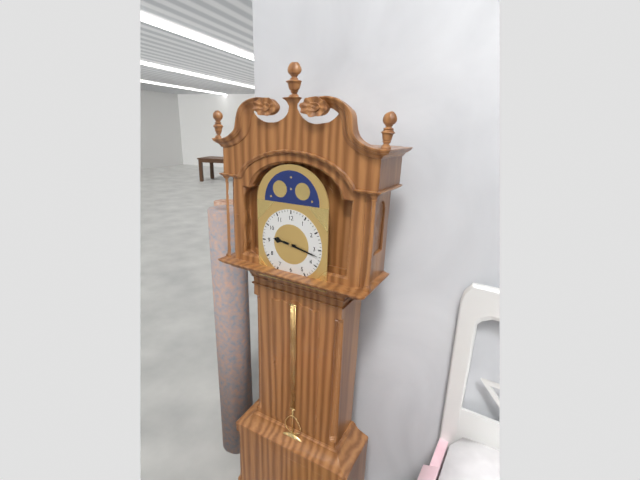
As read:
9,17
